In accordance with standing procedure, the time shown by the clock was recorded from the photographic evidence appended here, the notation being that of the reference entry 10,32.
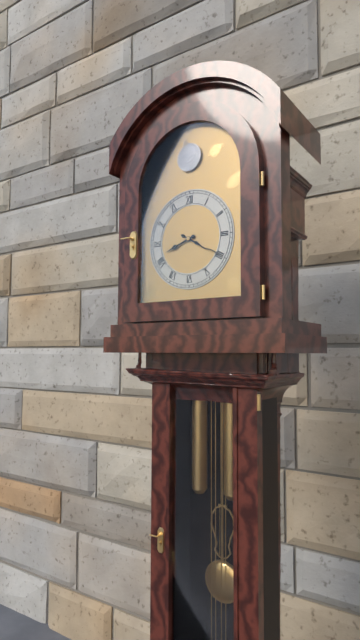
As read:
8,20
